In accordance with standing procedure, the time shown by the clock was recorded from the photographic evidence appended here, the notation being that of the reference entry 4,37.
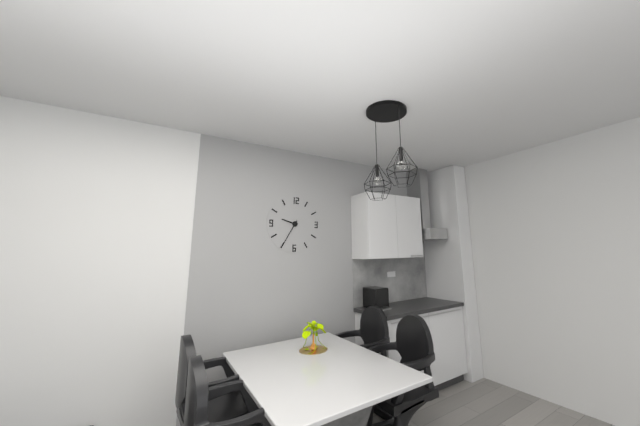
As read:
9,35
